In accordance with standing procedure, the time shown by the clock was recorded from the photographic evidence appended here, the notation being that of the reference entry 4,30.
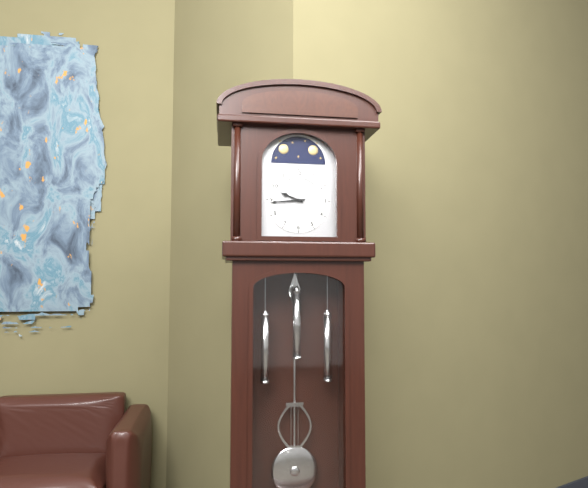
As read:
9,44
